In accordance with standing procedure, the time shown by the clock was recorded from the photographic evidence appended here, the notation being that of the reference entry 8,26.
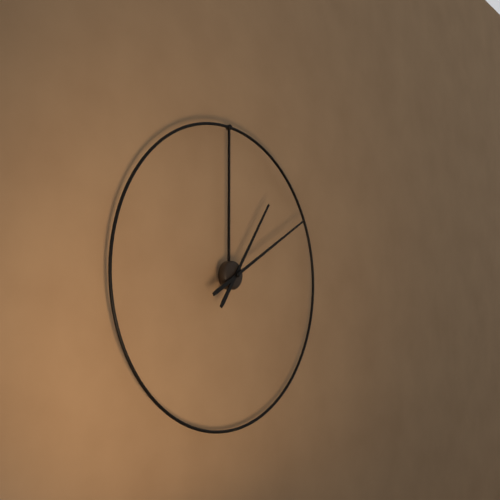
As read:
1,10
